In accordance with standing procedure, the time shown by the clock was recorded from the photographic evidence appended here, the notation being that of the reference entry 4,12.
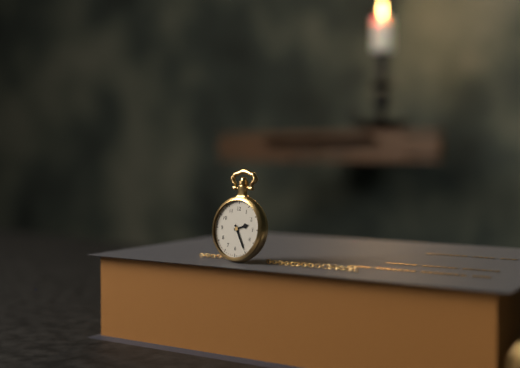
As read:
2,25
